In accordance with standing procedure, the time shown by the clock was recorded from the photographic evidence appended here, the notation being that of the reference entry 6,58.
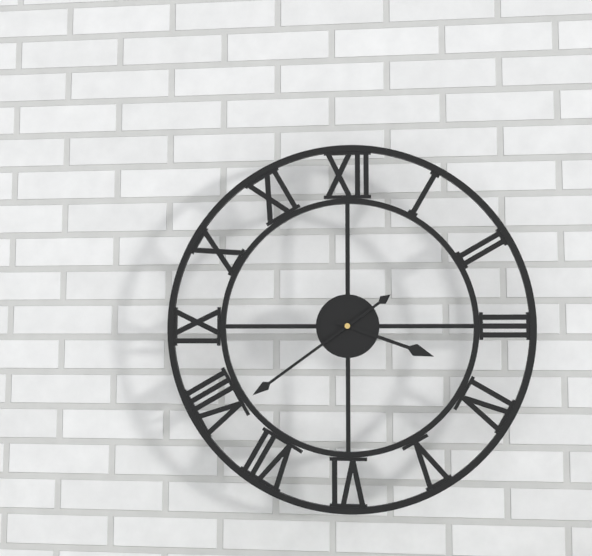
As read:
3,39
